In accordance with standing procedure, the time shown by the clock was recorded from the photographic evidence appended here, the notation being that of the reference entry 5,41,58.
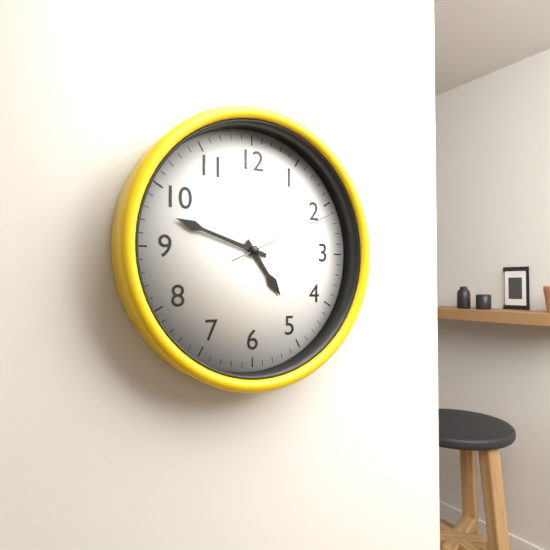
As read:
4,48,11
